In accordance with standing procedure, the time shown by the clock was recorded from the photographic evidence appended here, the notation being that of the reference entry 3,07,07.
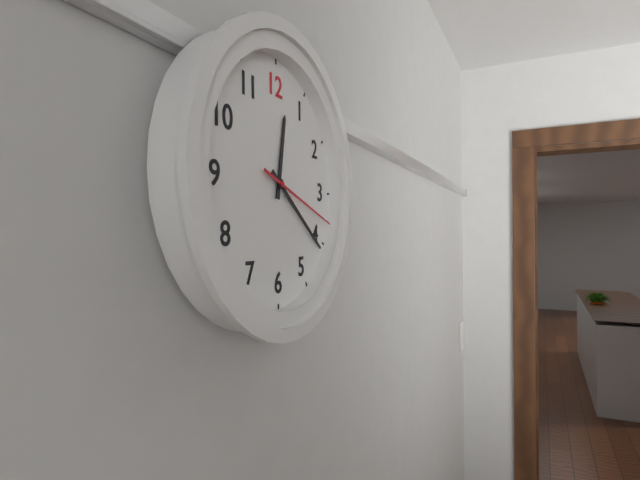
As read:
12,21,18
